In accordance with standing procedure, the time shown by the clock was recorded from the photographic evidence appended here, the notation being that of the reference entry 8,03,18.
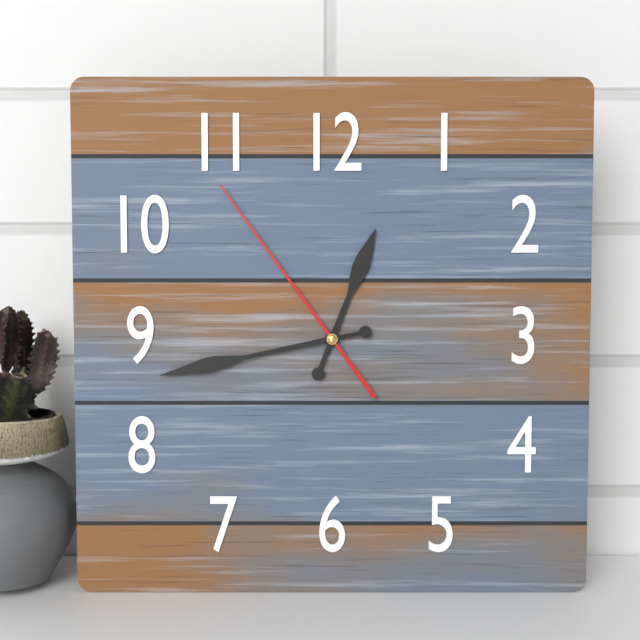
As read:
12,43,54
